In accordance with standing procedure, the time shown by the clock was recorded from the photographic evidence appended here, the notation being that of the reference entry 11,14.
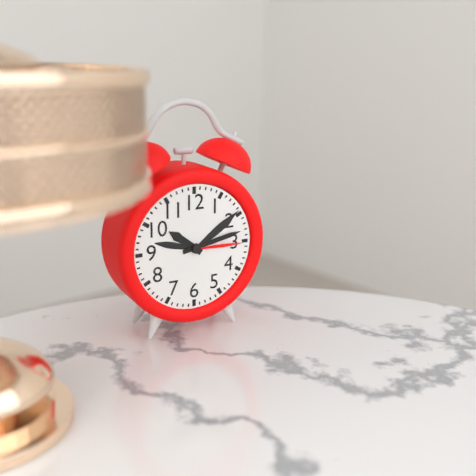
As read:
10,13
